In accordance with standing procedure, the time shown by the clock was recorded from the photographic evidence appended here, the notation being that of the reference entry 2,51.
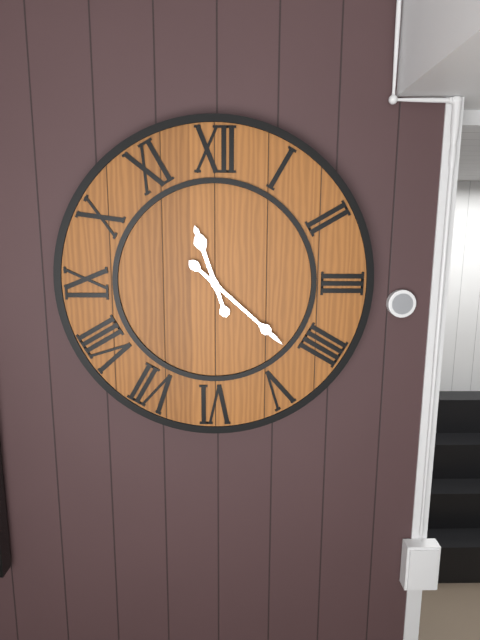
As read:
11,22
